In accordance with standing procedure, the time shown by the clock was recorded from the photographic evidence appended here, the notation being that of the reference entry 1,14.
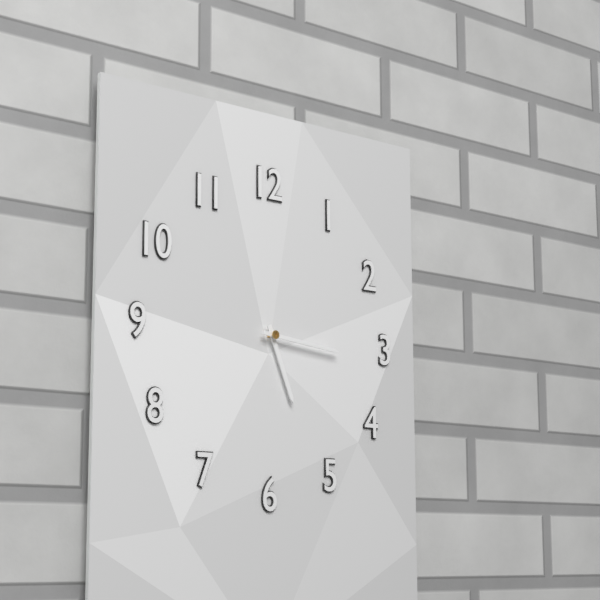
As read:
5,16
